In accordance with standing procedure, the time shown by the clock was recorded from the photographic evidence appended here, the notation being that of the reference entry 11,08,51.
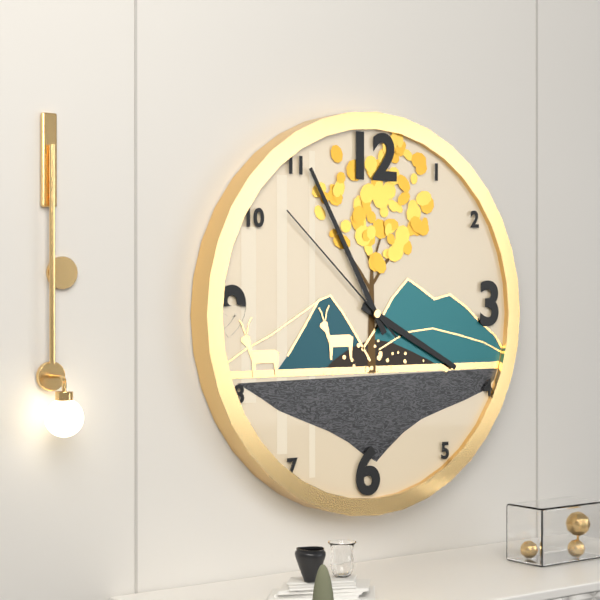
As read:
3,55,52
